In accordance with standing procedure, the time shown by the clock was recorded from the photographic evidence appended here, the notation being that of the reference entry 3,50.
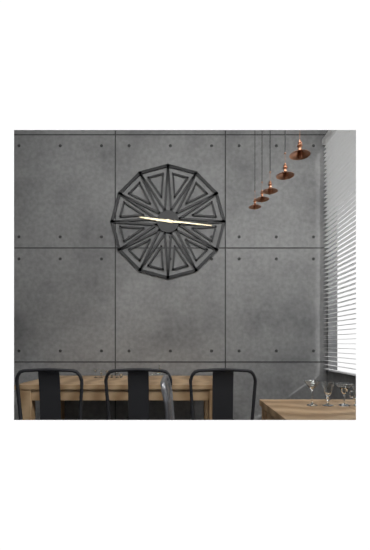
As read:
9,16
